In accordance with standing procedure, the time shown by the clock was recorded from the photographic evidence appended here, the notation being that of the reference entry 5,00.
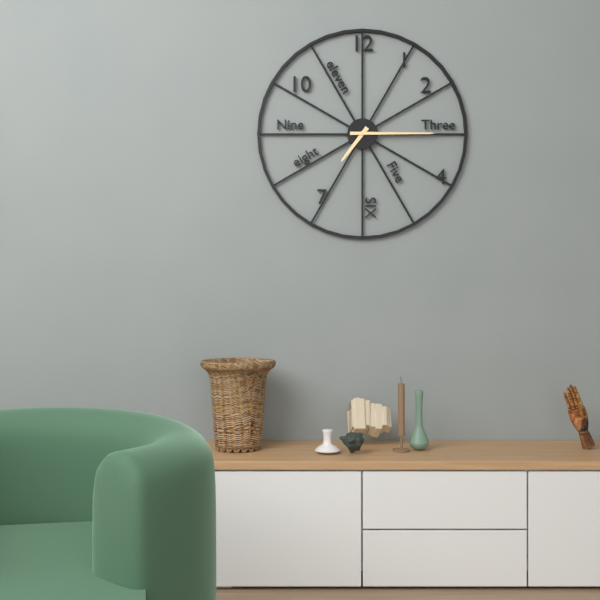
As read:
7,15
